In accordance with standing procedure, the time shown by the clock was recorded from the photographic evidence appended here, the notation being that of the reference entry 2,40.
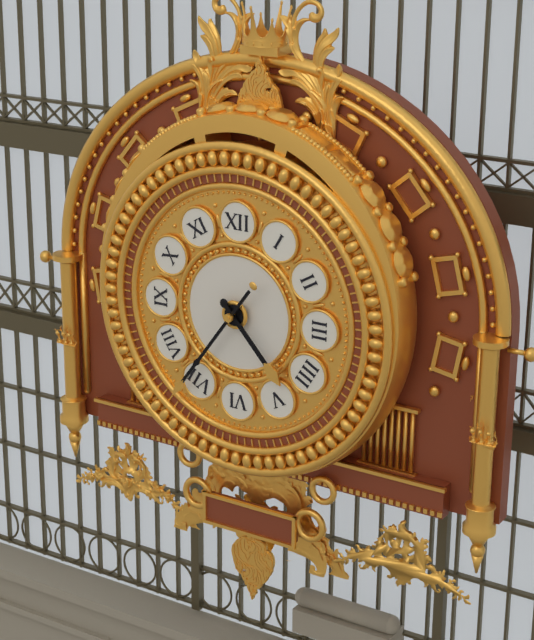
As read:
4,36
